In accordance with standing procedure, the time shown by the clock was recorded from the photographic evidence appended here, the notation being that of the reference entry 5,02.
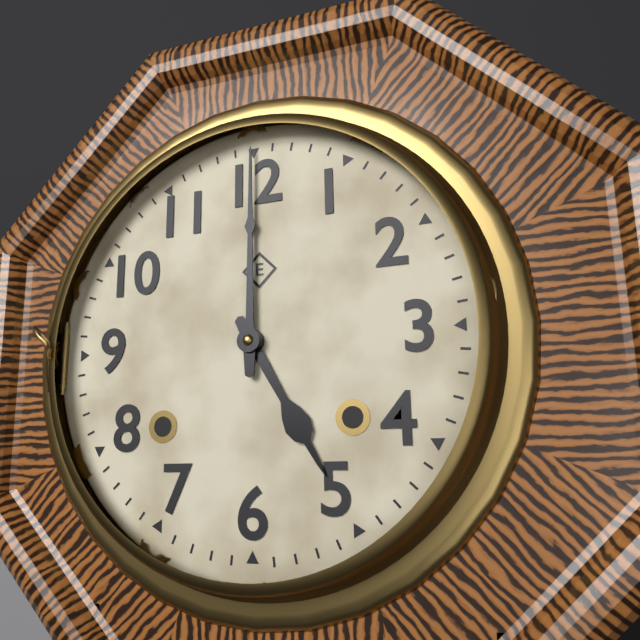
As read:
5,00
